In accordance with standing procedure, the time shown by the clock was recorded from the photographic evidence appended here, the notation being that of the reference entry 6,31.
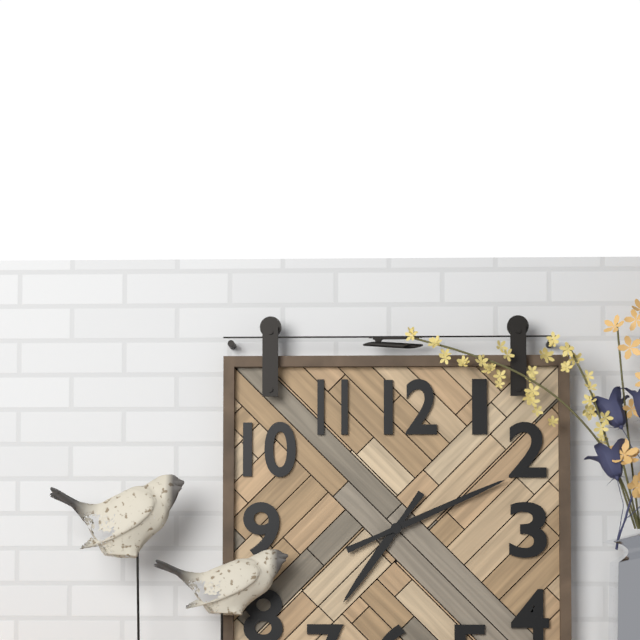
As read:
7,11
